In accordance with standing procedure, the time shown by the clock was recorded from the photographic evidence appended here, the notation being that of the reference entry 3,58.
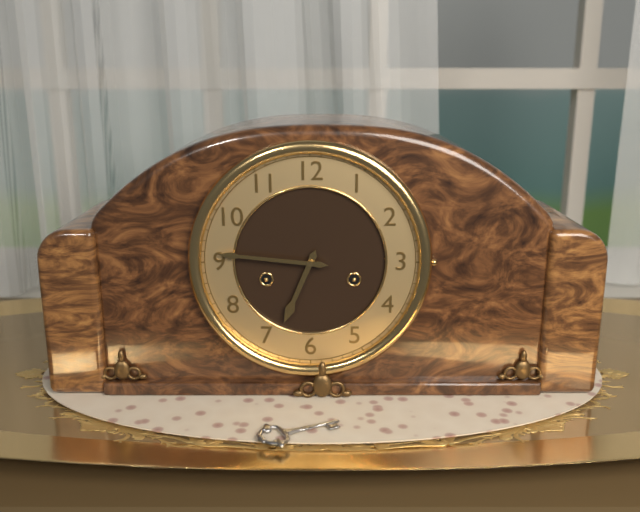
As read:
6,46
